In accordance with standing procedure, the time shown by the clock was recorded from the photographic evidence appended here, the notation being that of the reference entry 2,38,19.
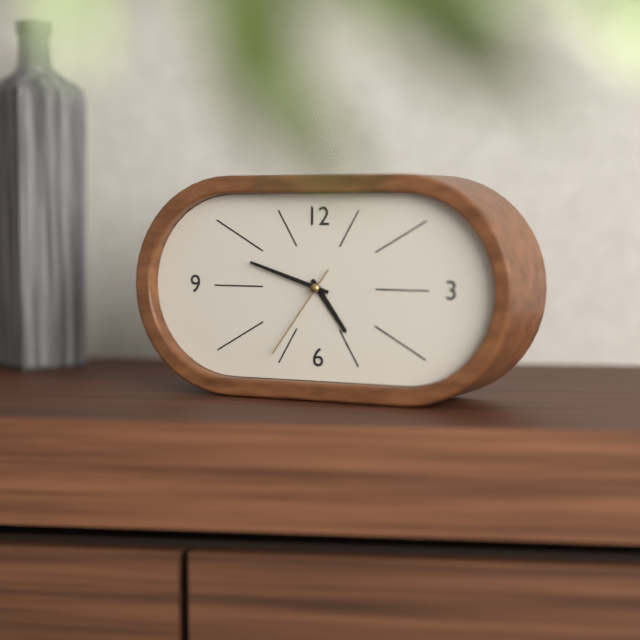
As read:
4,48,36
